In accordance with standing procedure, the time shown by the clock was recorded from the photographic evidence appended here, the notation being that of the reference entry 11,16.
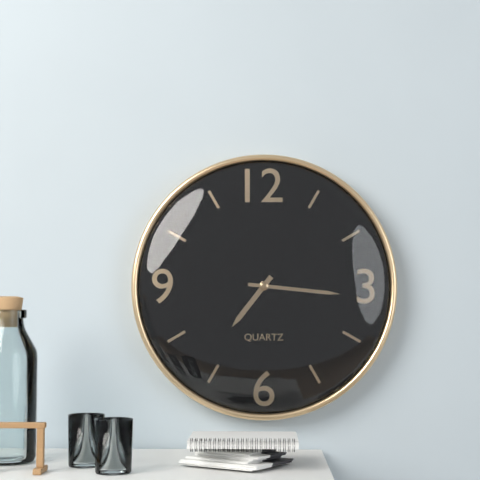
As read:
7,16
